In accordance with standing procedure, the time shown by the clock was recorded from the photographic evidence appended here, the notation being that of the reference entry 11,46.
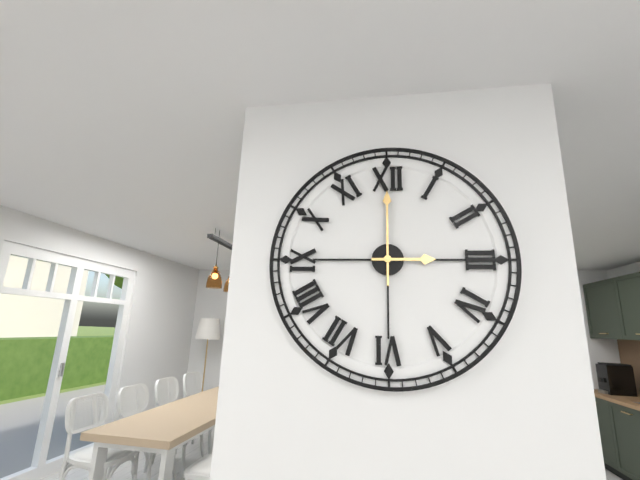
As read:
3,00
